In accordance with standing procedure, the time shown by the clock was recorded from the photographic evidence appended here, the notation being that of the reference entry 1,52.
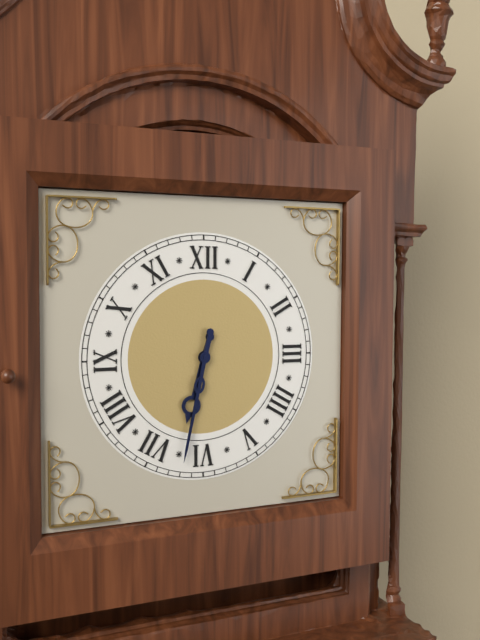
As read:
6,32
